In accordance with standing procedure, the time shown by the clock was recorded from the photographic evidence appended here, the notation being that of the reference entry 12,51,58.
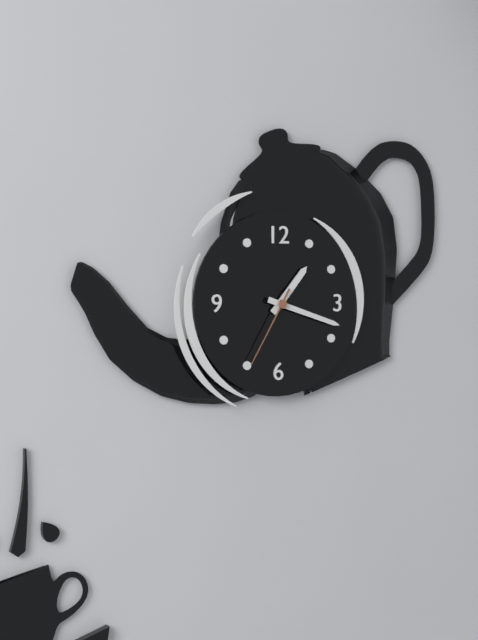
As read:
1,18,35
